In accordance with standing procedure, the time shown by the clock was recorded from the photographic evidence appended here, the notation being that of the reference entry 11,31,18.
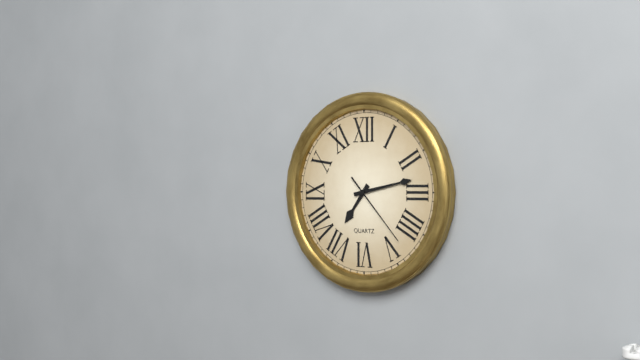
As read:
7,13,23
